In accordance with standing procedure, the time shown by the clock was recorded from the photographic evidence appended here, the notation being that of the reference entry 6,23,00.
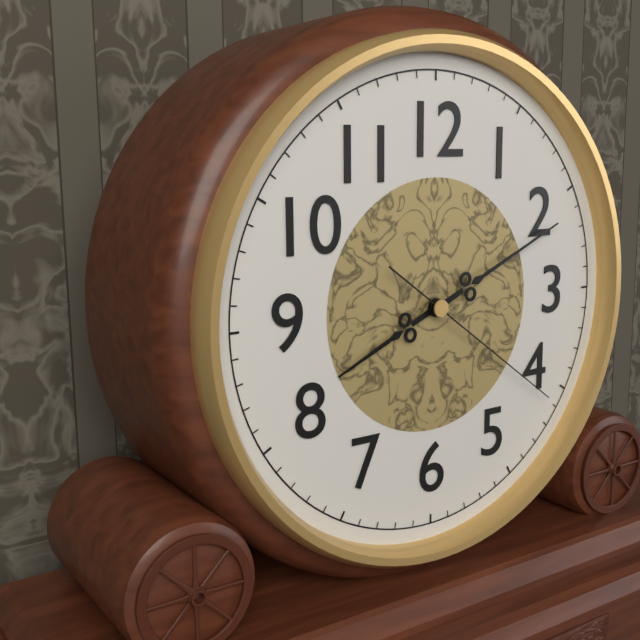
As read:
8,11,21
